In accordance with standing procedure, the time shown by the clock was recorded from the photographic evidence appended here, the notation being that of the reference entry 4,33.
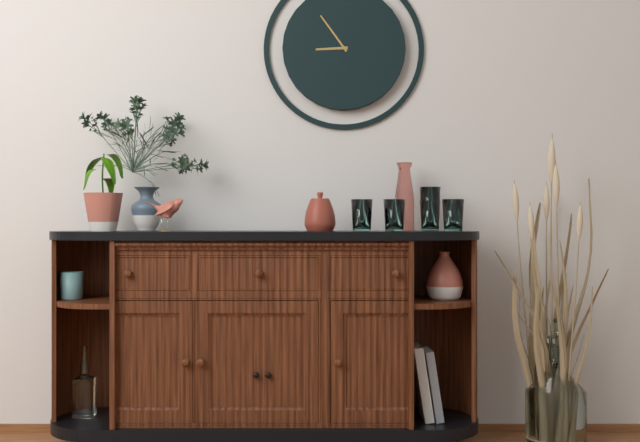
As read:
8,54
